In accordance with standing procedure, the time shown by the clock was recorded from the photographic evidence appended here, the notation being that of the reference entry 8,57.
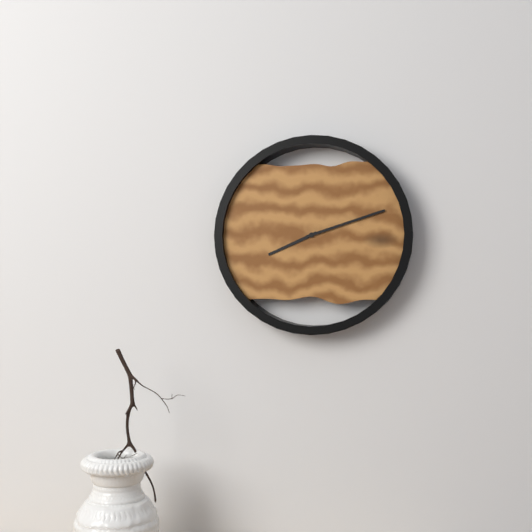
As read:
8,12
